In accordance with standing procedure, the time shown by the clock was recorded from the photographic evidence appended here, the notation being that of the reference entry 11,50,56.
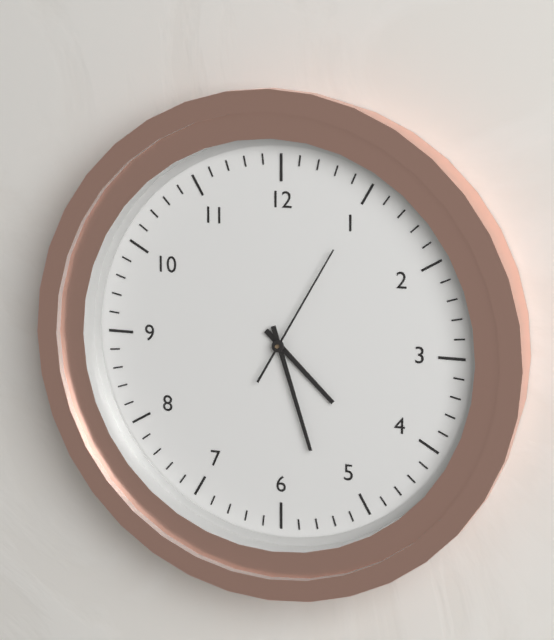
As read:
4,27,05
